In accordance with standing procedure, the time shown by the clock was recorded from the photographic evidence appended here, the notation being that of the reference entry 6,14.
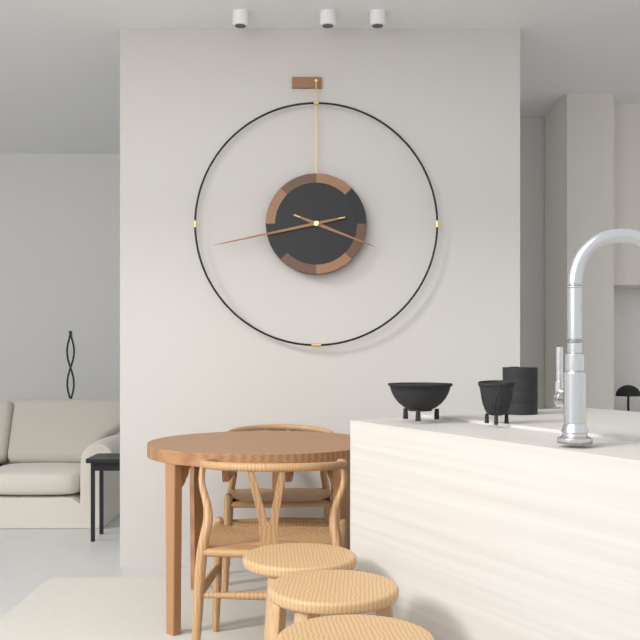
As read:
3,43
